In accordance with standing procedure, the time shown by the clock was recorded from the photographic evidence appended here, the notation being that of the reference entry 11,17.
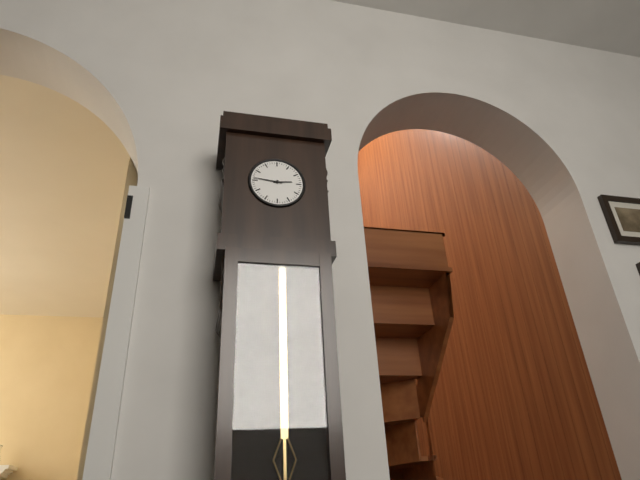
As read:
2,46
